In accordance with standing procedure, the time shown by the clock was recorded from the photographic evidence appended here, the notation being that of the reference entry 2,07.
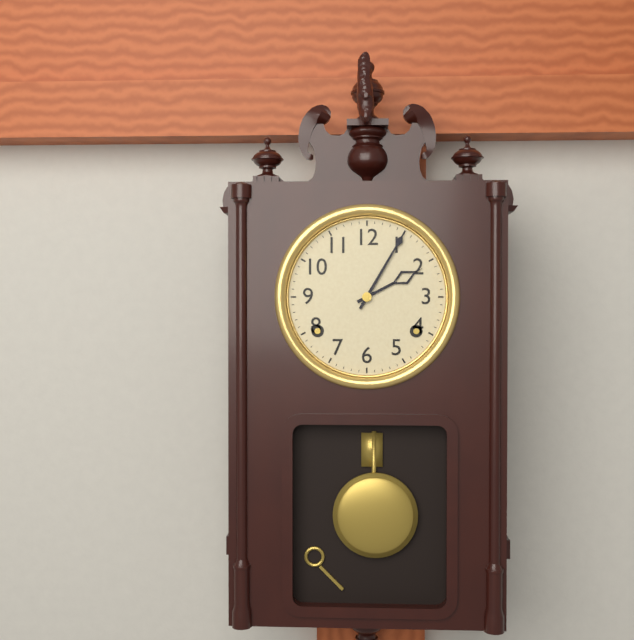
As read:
2,05
